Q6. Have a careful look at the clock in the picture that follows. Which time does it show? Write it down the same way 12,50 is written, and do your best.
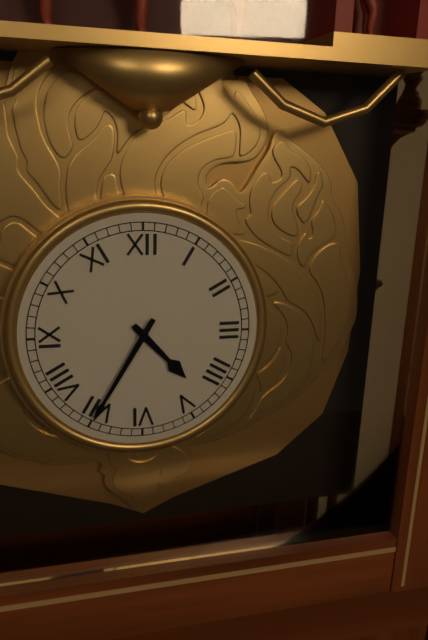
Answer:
4,35
